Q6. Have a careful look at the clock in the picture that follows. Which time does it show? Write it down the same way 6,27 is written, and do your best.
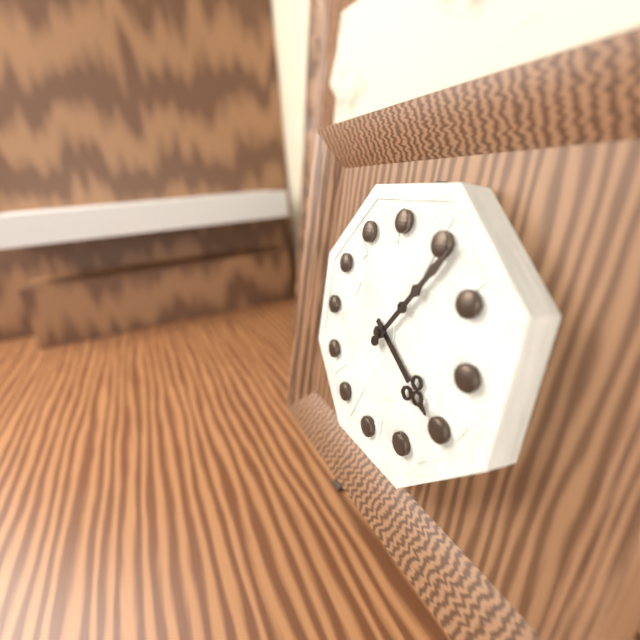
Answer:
4,06
